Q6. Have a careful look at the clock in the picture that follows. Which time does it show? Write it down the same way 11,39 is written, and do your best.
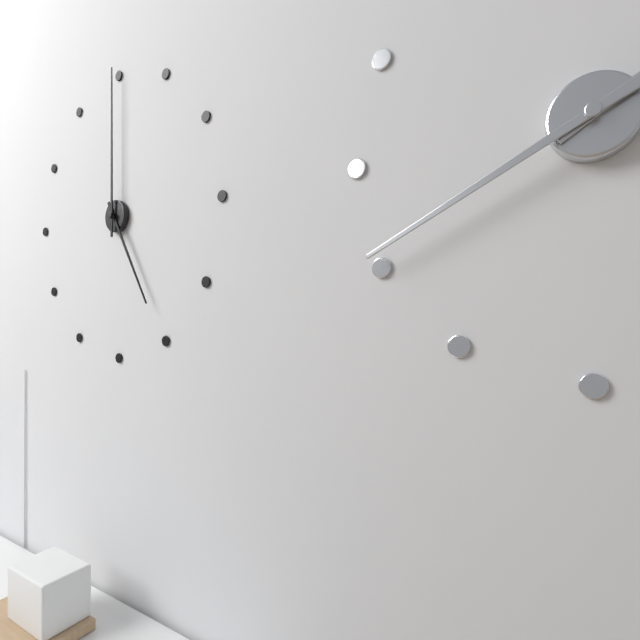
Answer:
5,00
